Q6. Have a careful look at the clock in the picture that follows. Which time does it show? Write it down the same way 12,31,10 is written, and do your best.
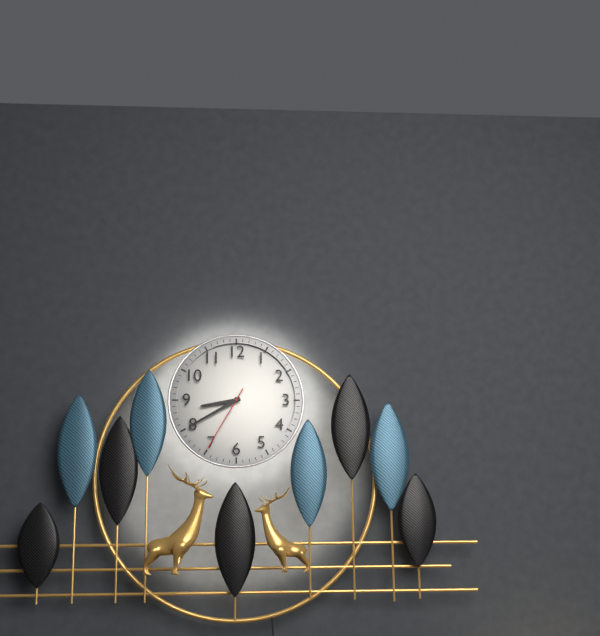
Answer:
8,40,35
